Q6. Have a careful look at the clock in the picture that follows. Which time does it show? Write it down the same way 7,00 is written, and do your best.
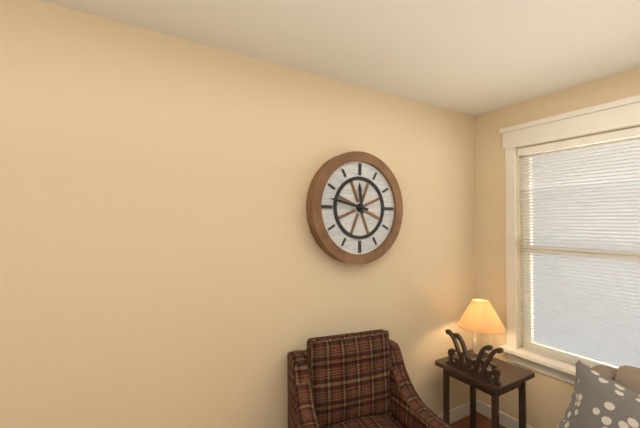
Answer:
11,47
